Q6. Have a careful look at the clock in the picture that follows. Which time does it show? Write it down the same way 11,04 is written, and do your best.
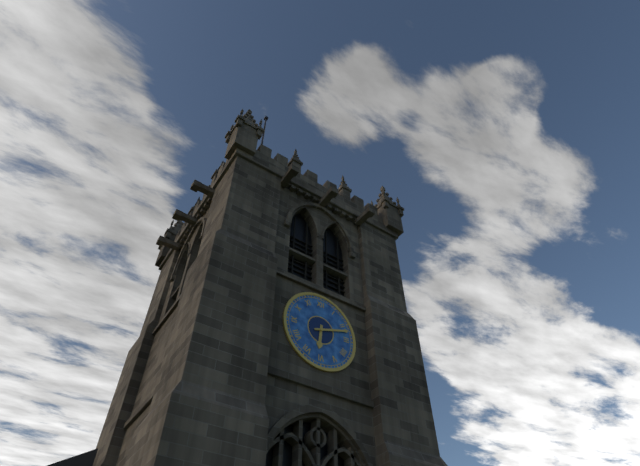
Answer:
6,12
